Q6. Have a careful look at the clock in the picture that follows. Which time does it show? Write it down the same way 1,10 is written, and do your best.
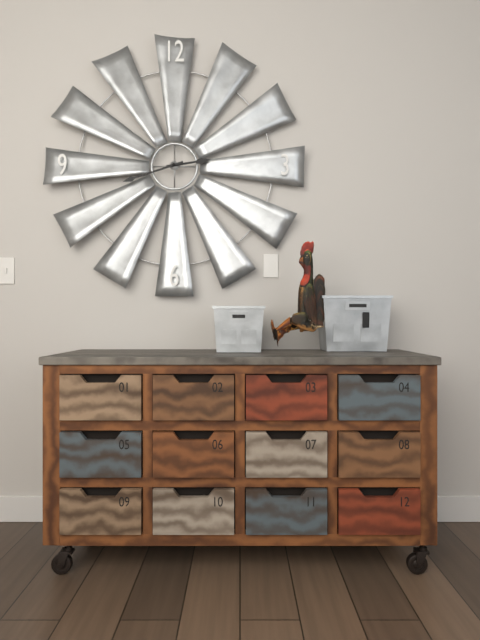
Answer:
2,42
